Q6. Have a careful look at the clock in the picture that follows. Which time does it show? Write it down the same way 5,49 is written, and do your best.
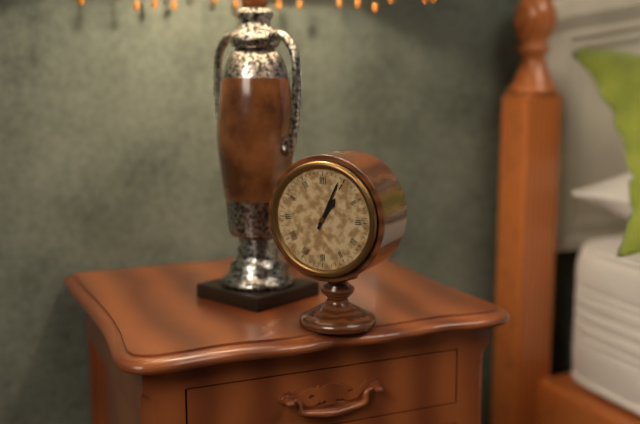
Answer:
1,04
